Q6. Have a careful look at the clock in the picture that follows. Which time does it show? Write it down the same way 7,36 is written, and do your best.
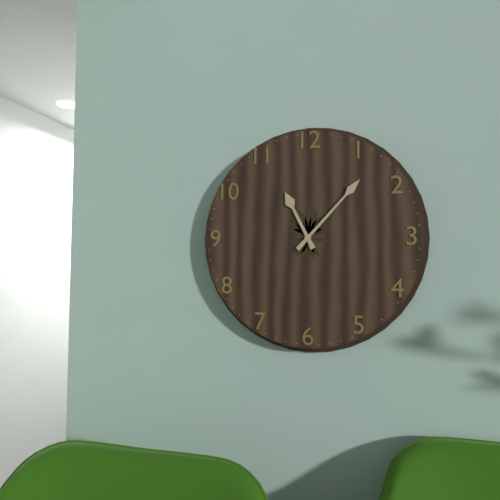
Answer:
11,07
